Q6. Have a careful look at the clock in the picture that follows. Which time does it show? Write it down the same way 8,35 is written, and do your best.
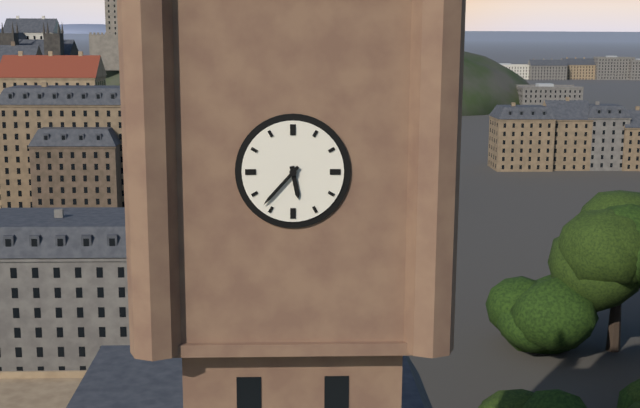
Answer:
5,37
